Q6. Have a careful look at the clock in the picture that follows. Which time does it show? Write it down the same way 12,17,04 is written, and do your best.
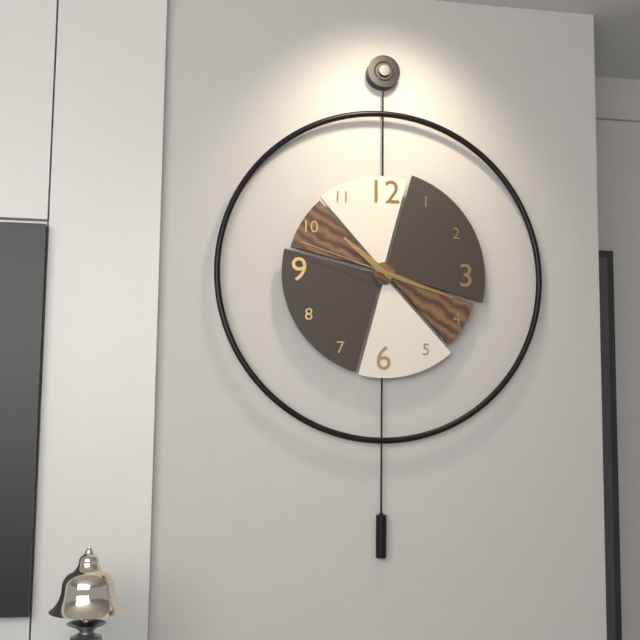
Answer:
10,18,48
